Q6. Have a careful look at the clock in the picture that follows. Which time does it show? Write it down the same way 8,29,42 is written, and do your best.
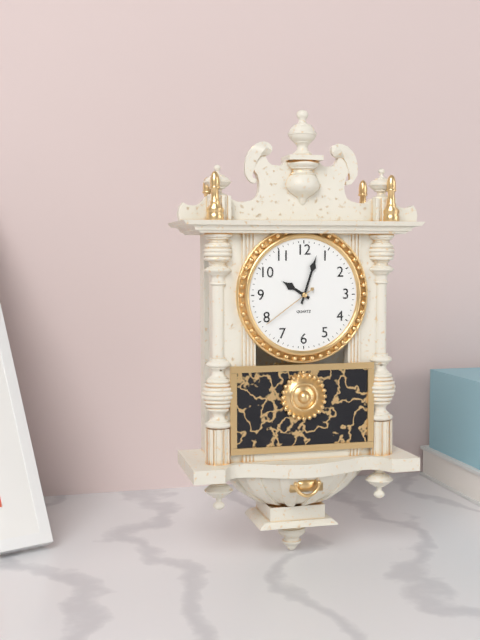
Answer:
10,03,39
